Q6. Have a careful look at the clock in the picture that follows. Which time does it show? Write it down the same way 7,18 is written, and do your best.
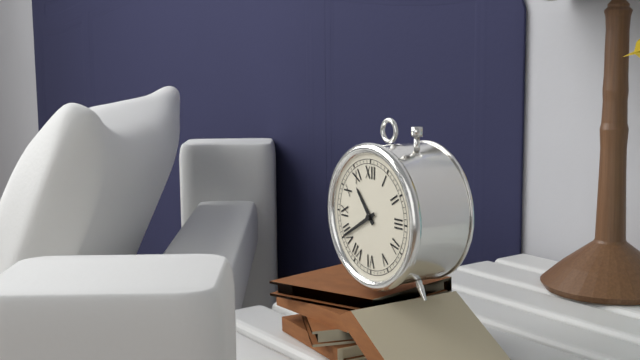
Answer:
10,40
